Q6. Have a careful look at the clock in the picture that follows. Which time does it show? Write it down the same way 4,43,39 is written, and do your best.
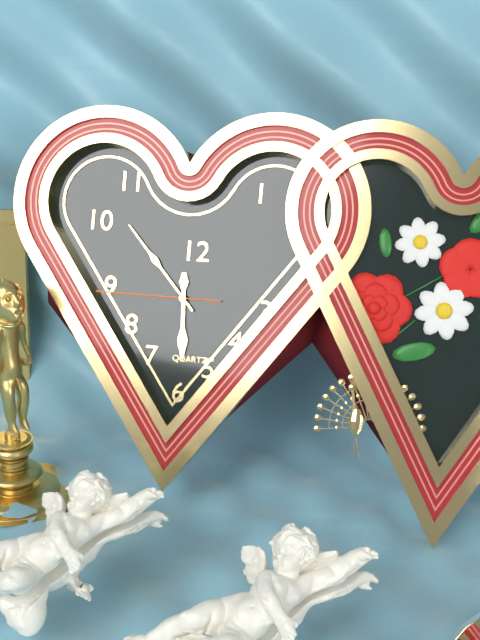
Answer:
5,53,45
